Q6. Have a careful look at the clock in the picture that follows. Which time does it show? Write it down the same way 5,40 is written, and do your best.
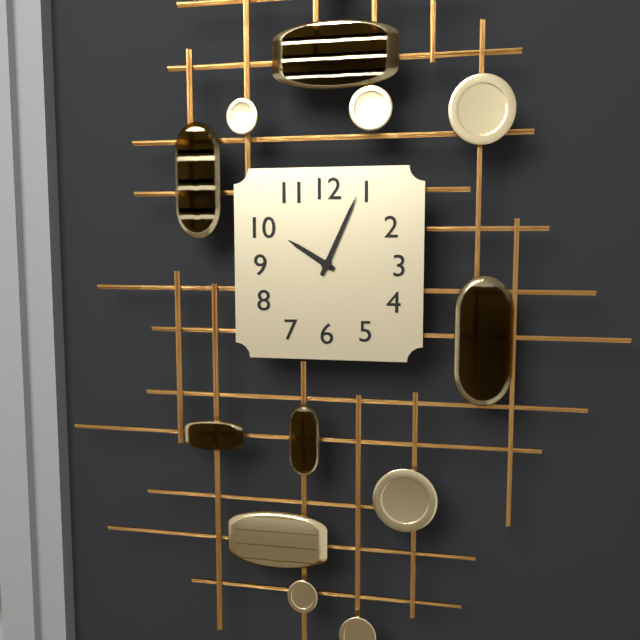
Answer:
10,04
